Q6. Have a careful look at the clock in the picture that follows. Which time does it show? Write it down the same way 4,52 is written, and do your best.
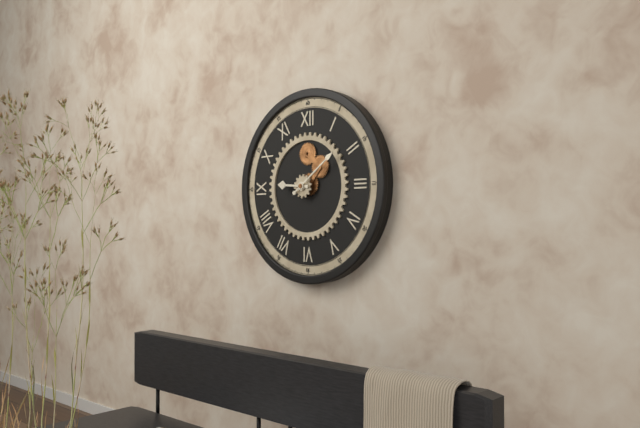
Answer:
9,09
